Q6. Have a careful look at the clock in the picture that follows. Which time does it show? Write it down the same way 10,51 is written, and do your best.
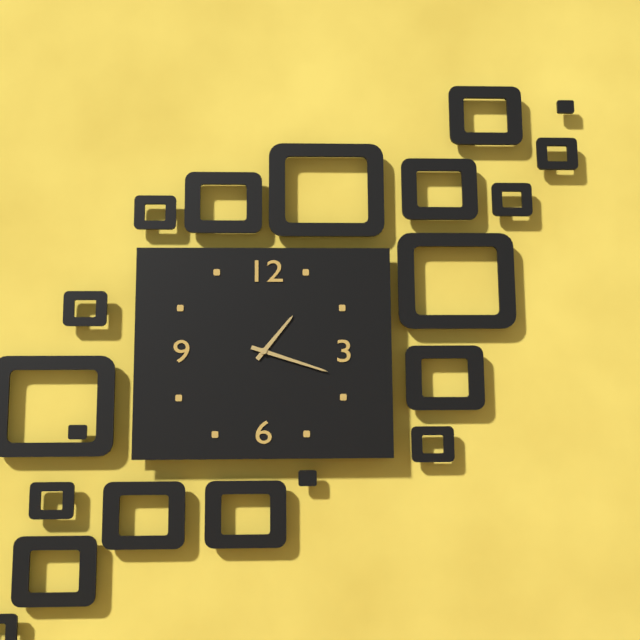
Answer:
1,18
